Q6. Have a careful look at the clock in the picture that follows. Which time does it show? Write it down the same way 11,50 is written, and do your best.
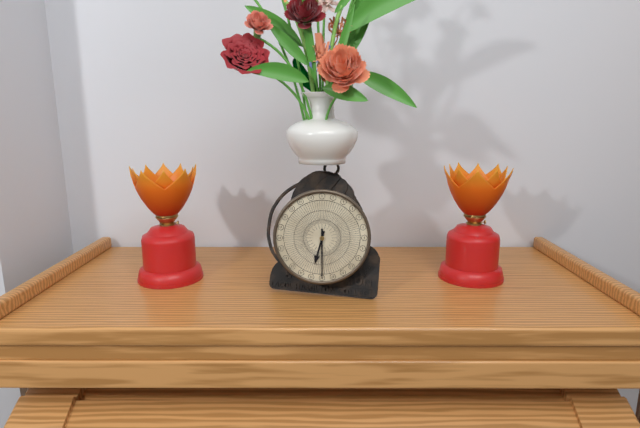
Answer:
6,30
